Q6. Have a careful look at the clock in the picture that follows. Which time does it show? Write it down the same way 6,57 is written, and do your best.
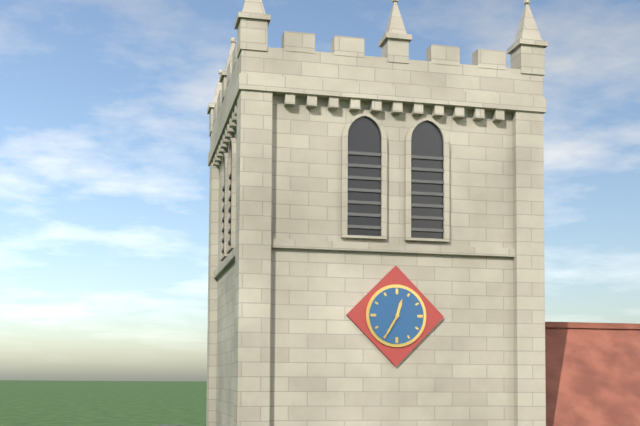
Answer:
12,35
